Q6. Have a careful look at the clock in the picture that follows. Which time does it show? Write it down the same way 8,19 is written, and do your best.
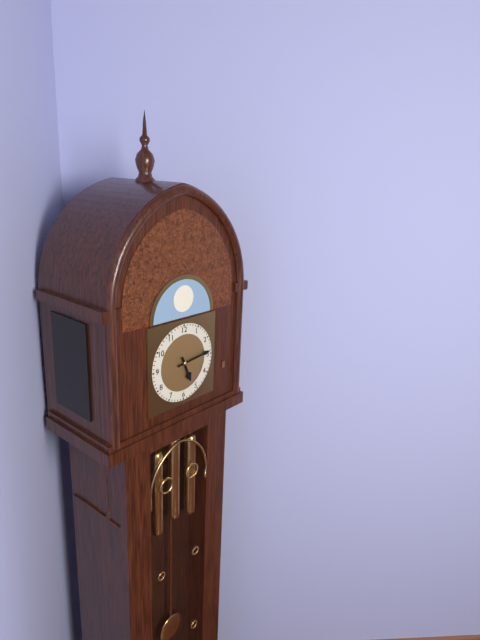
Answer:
5,14
